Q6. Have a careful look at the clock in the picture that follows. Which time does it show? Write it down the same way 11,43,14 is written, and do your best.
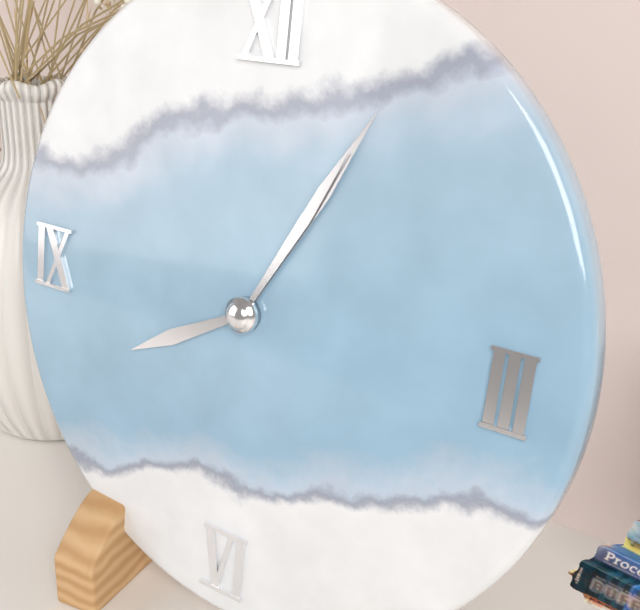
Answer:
8,05,05
